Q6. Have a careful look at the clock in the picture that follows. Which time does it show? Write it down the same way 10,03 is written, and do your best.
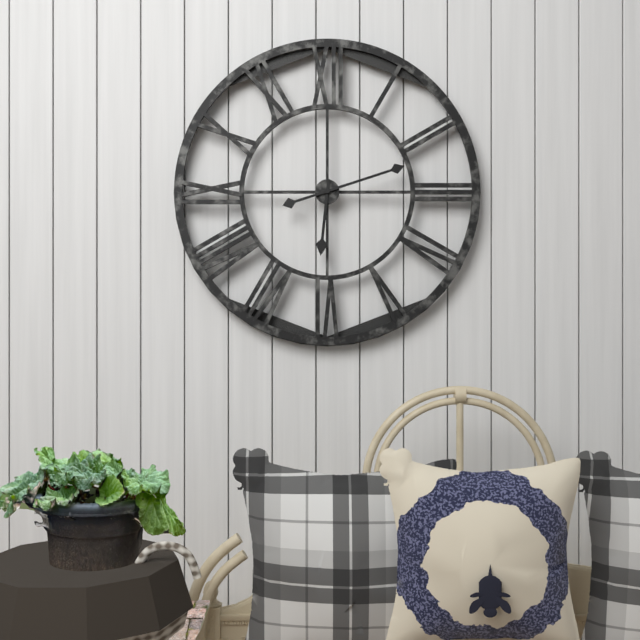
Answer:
6,12
